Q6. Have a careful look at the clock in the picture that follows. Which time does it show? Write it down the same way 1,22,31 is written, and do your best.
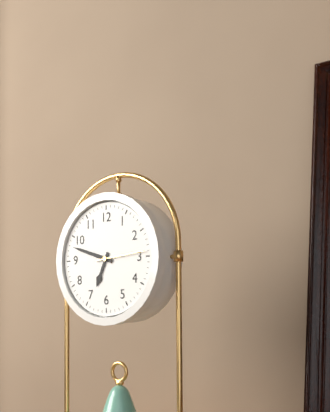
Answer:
6,48,14
